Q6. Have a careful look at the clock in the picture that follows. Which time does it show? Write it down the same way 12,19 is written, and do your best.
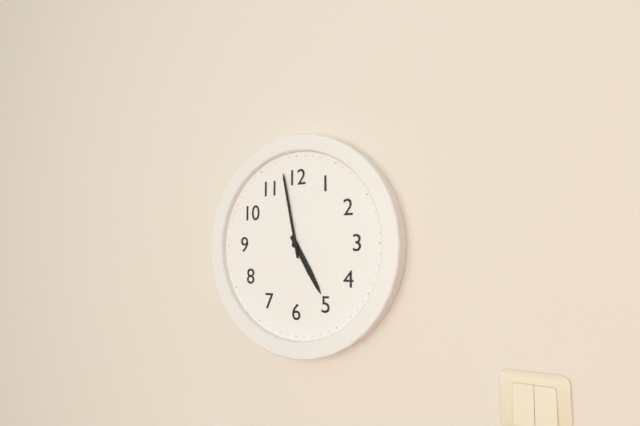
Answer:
4,58
